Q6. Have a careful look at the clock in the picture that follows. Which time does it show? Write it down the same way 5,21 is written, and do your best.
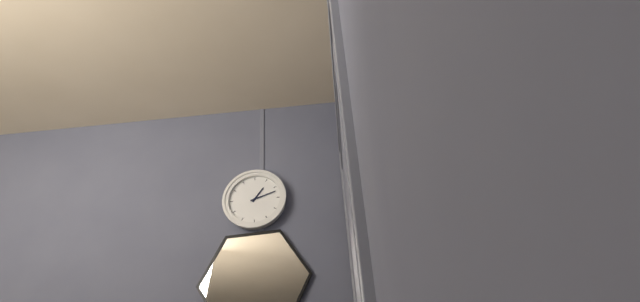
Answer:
1,12
